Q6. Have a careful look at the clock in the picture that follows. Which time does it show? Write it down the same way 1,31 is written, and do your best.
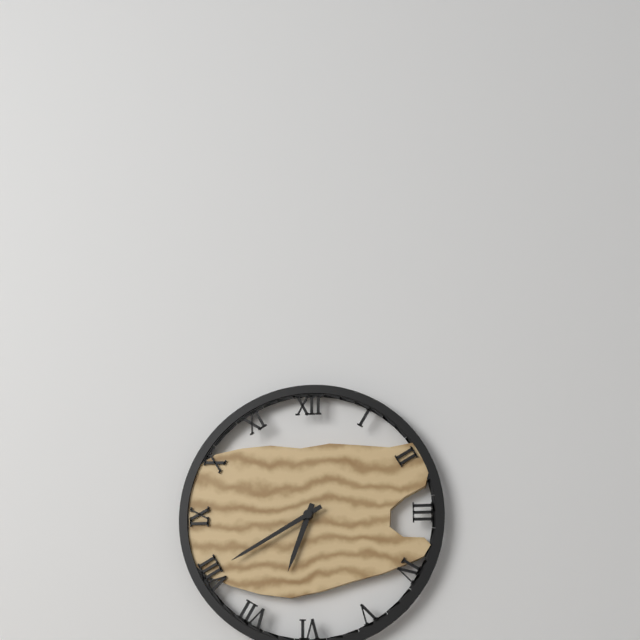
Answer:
6,40
